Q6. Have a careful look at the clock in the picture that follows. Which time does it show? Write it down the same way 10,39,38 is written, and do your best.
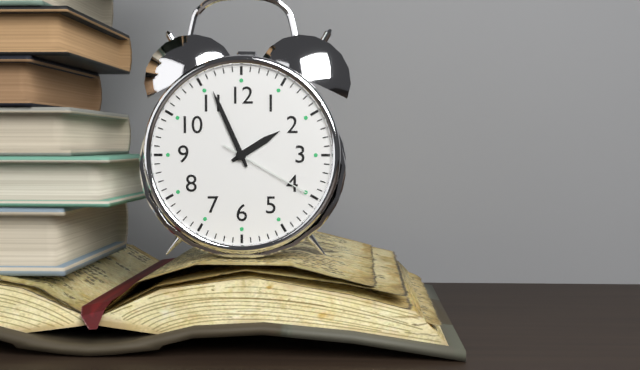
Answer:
1,56,20
